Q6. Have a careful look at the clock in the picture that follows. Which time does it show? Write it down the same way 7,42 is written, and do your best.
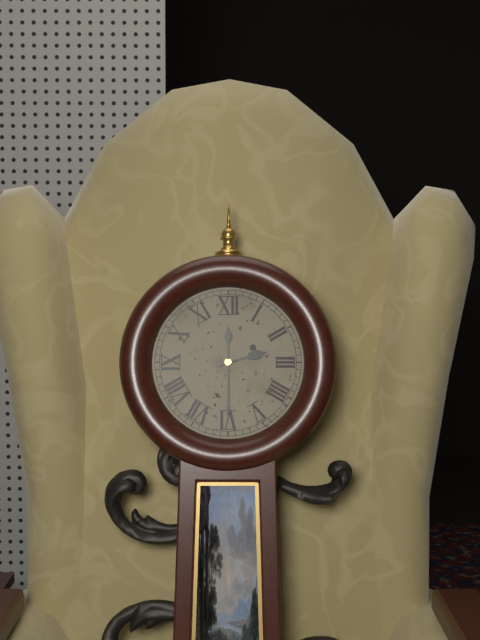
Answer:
2,30
